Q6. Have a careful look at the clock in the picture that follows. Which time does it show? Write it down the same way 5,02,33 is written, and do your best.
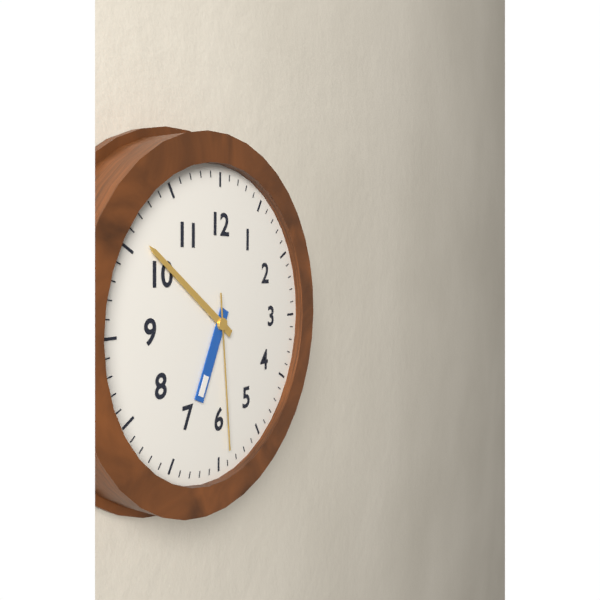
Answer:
6,51,29
